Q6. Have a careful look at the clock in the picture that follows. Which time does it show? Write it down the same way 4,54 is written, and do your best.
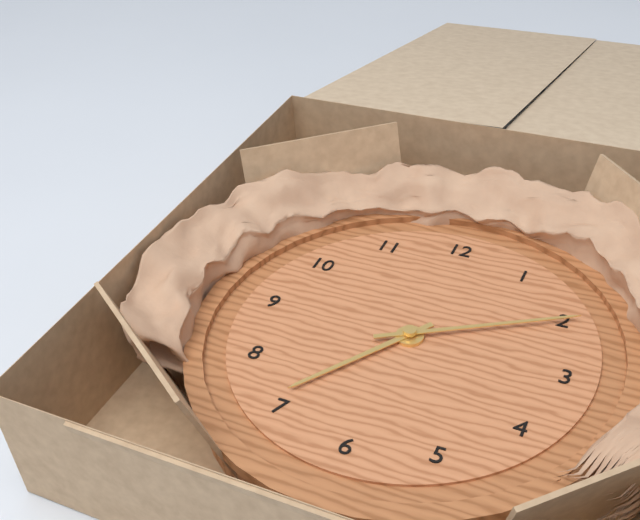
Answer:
7,10
